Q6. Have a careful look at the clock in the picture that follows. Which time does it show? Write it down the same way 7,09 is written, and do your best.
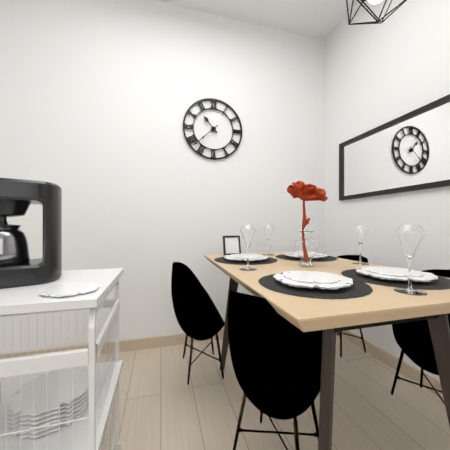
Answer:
10,38
